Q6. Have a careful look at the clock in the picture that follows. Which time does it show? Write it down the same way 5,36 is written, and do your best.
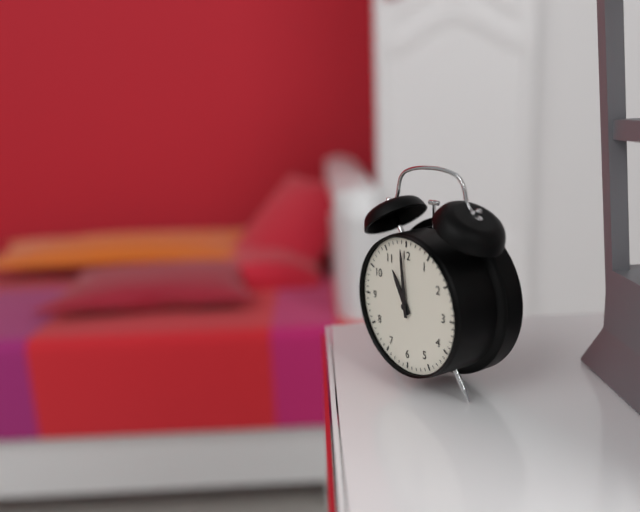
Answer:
10,59
